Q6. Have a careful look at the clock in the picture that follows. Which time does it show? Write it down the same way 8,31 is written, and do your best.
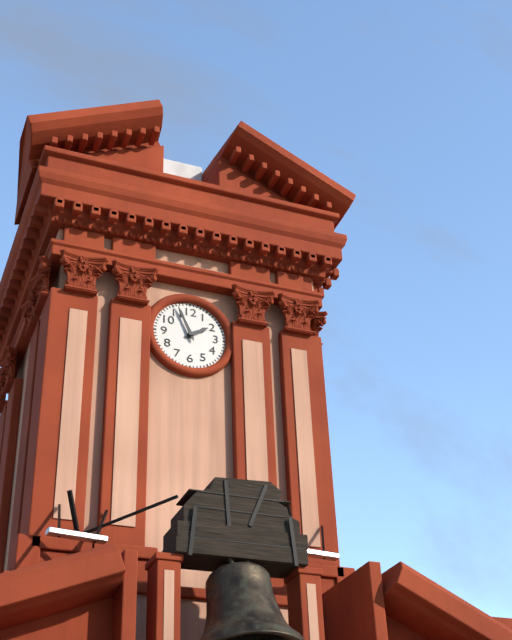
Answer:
1,56
